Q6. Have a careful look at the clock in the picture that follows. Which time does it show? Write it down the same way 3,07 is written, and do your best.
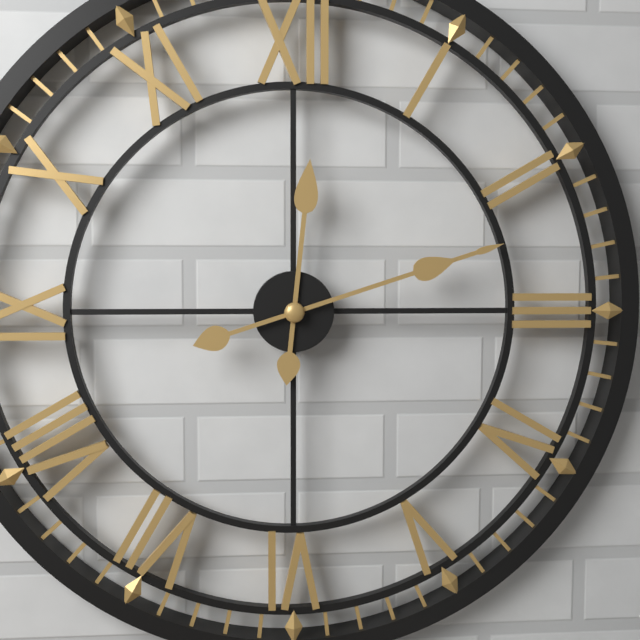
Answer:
12,12
